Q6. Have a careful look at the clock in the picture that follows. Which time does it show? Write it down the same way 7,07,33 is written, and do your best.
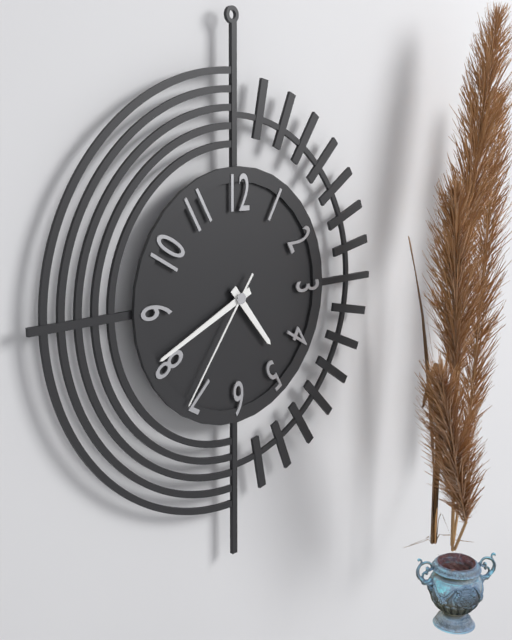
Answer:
4,41,36
